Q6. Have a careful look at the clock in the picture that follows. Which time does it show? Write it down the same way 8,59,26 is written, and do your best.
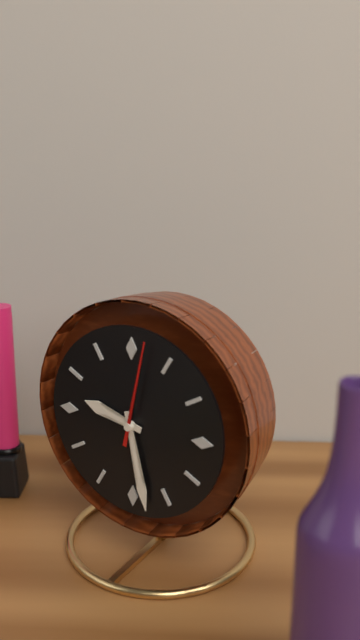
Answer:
9,28,02
